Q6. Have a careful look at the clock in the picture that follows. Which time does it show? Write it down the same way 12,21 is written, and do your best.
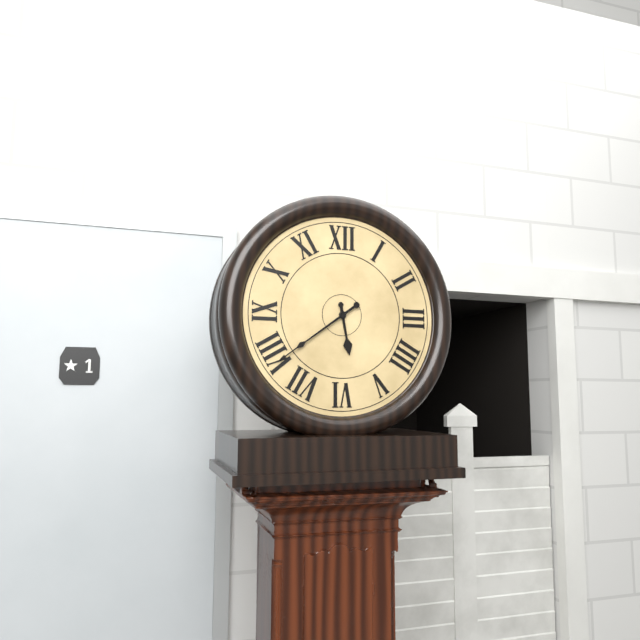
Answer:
5,39
